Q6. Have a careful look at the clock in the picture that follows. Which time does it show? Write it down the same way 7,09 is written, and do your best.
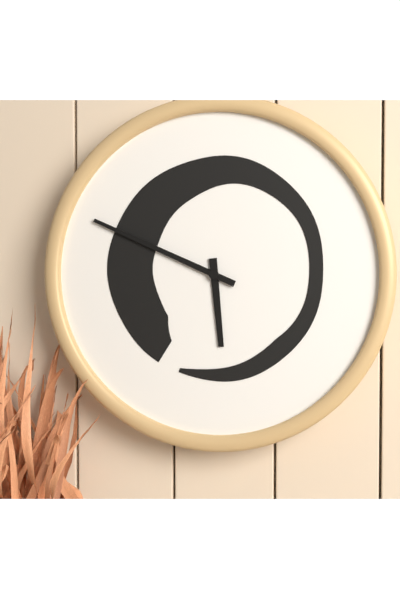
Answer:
5,49
